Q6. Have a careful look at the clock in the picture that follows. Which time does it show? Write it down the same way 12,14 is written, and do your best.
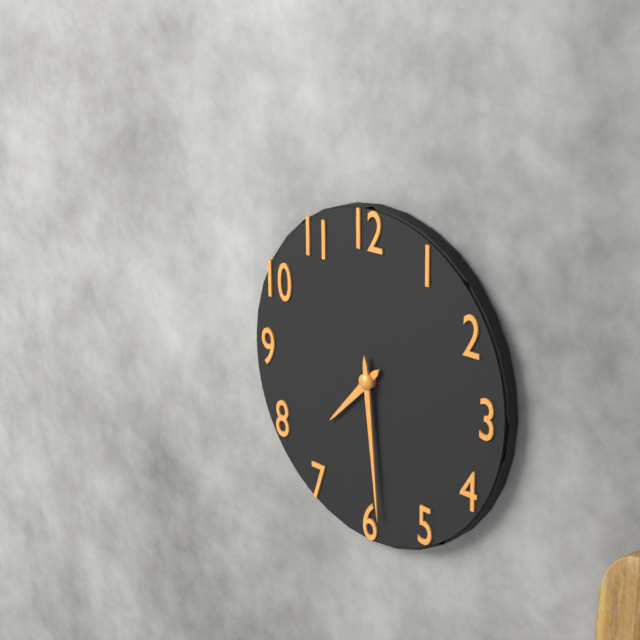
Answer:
7,29
